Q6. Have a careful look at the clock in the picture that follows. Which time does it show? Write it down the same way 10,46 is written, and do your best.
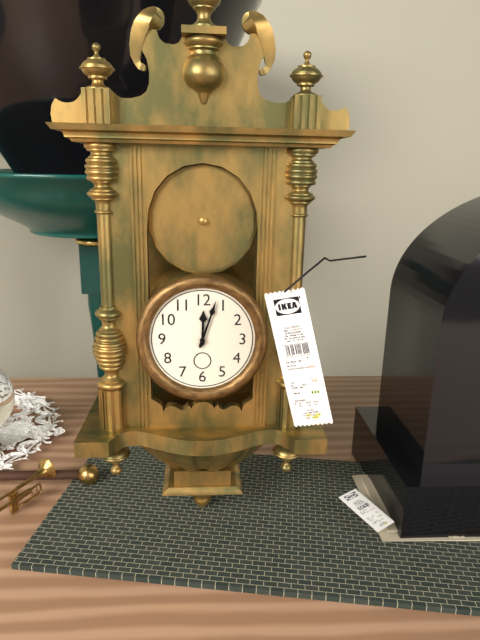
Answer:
12,03
